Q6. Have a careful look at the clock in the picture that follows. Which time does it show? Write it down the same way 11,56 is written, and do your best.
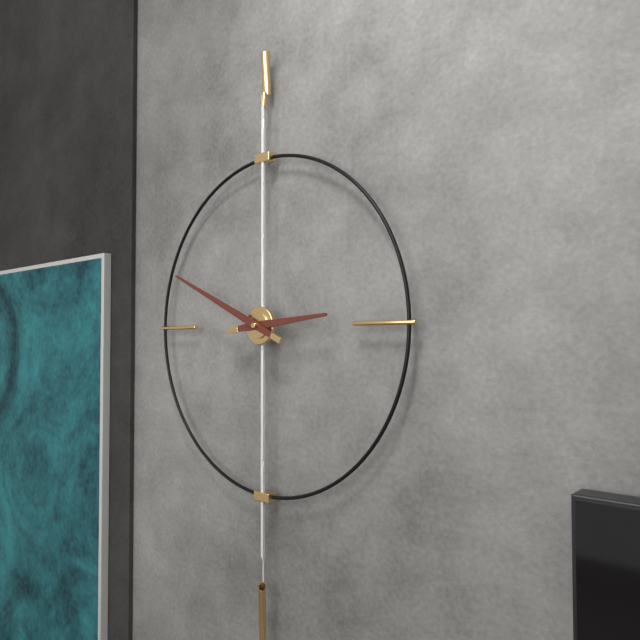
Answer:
2,49
